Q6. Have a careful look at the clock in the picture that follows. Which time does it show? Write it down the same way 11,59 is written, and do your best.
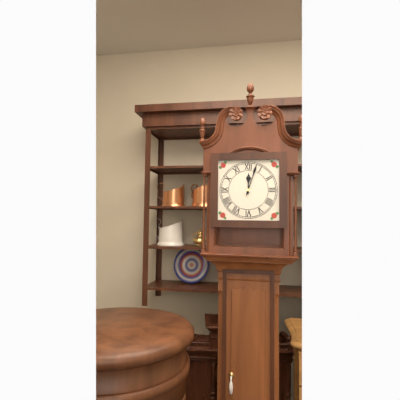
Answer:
12,03
